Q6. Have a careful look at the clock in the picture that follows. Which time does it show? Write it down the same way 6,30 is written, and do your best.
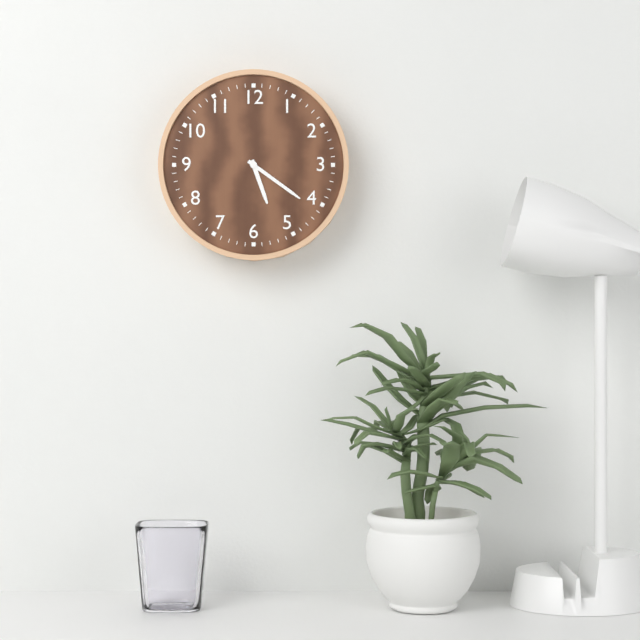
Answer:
5,21
